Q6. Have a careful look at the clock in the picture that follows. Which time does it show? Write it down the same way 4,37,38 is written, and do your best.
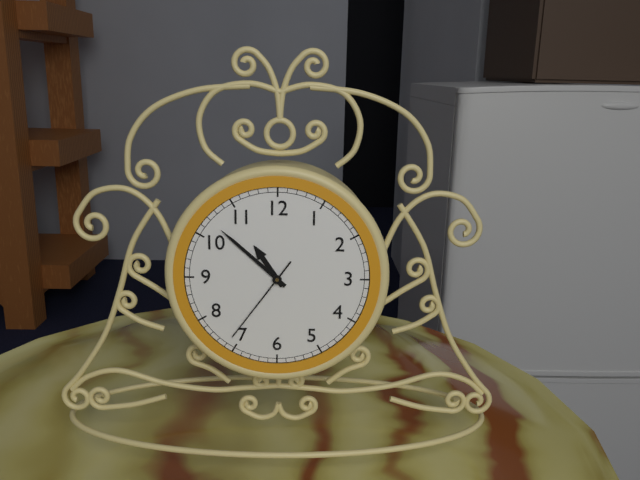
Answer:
10,52,36
